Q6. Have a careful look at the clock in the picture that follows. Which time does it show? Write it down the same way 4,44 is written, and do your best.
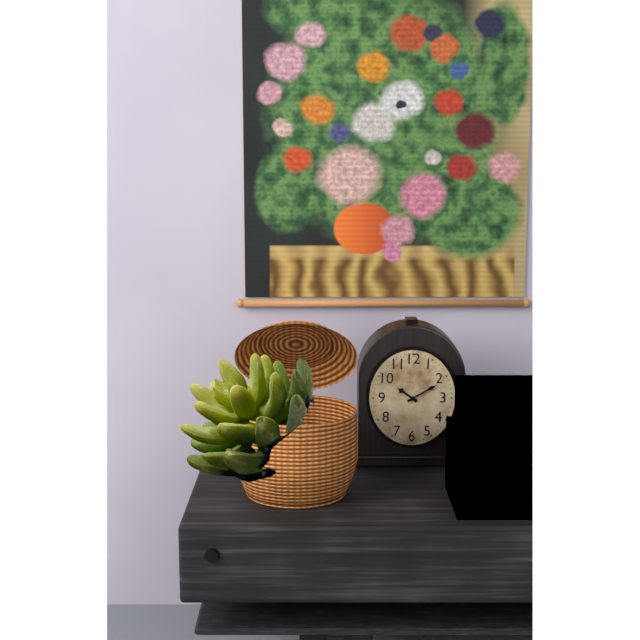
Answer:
10,10
